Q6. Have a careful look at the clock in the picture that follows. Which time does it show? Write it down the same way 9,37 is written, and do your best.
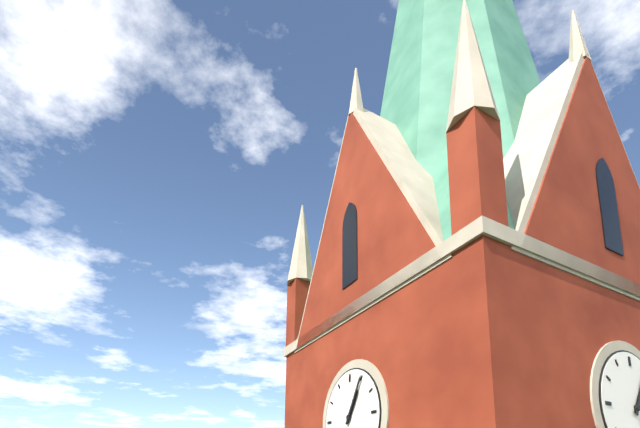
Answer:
1,05
